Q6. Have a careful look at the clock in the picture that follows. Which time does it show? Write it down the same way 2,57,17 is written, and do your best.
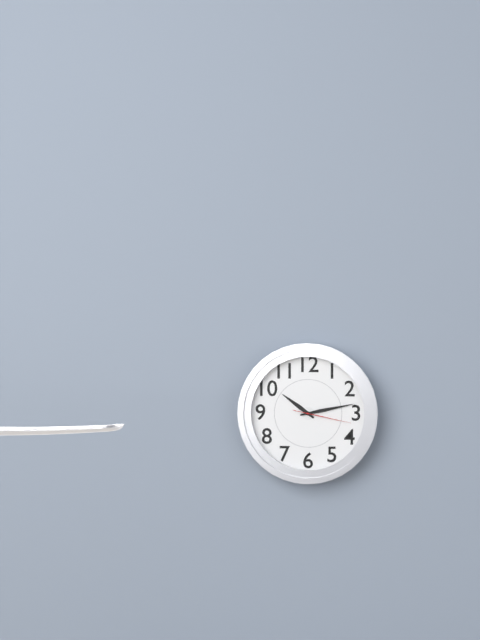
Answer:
10,13,17
